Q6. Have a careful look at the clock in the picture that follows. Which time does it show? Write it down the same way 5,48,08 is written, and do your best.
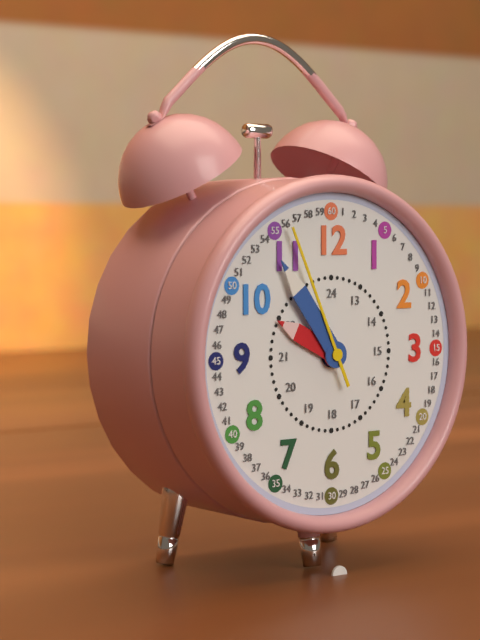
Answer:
9,54,56
